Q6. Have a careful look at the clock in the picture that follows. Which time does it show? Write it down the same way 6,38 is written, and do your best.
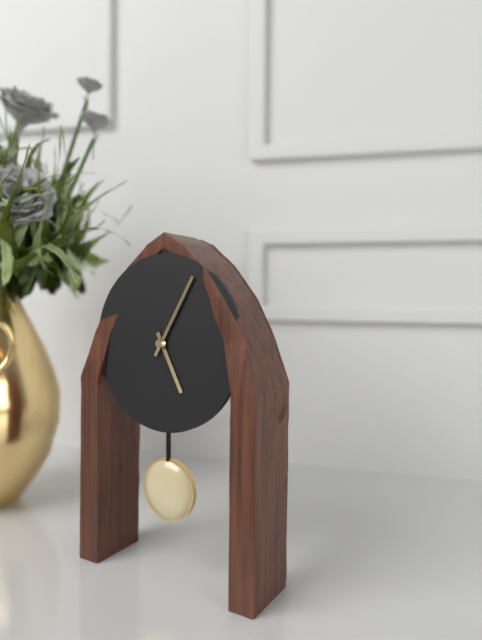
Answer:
5,05
